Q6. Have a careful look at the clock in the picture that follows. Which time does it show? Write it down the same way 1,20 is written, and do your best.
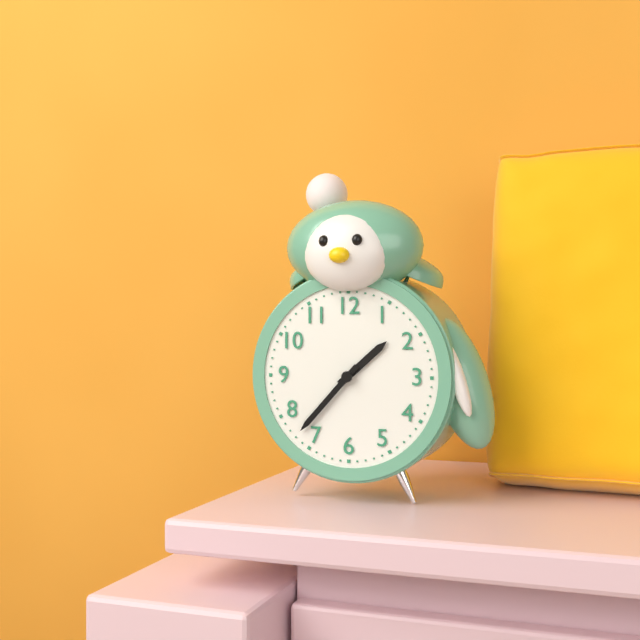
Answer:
1,37
